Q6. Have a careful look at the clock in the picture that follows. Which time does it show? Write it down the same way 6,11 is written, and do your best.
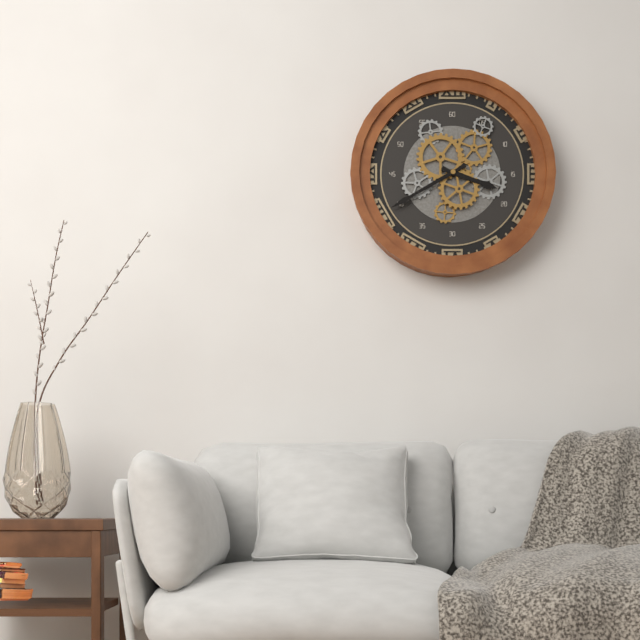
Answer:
3,40
